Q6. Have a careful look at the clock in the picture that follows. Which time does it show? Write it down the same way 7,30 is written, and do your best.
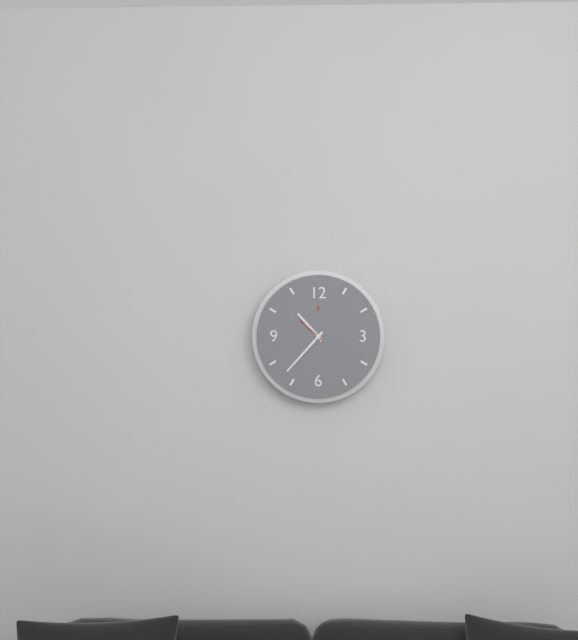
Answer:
10,37
